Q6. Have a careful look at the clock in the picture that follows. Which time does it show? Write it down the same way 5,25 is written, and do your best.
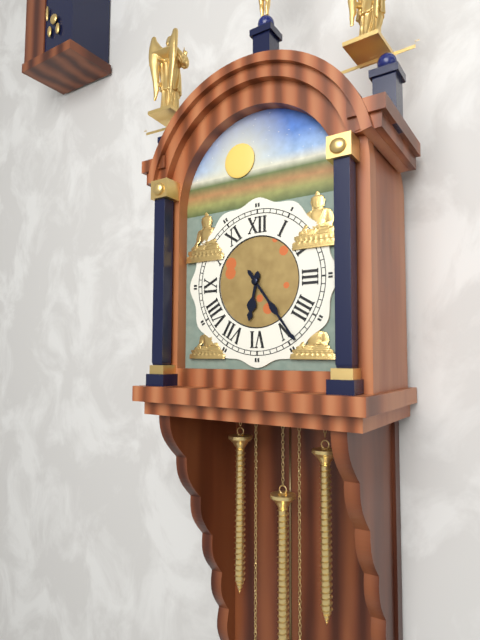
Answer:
6,24
